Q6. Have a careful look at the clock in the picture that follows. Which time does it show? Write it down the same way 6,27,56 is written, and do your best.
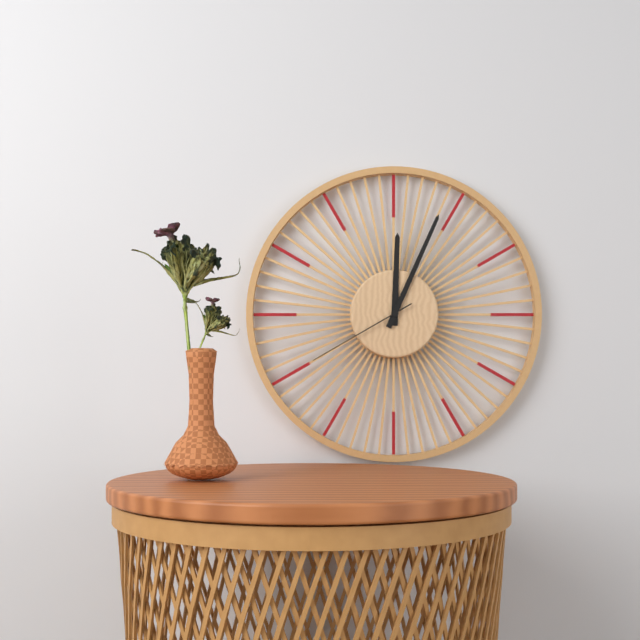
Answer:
12,04,40
